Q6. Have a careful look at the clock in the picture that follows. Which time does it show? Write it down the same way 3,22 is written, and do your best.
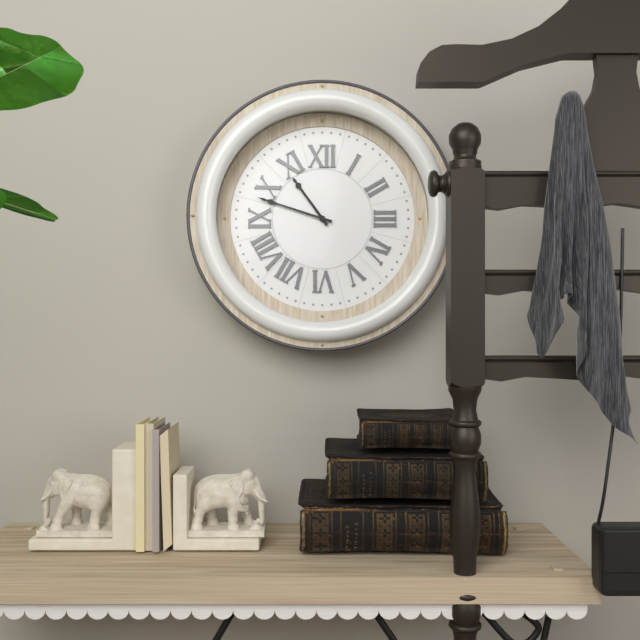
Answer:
10,48
